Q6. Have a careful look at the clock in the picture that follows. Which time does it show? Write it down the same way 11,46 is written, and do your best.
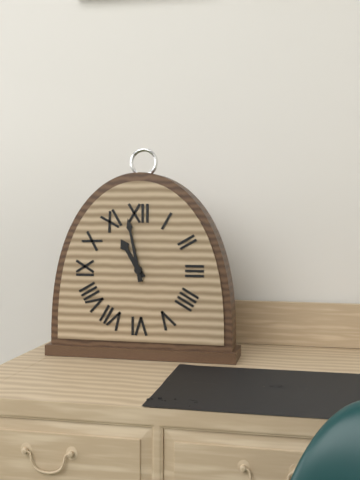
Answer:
10,58
